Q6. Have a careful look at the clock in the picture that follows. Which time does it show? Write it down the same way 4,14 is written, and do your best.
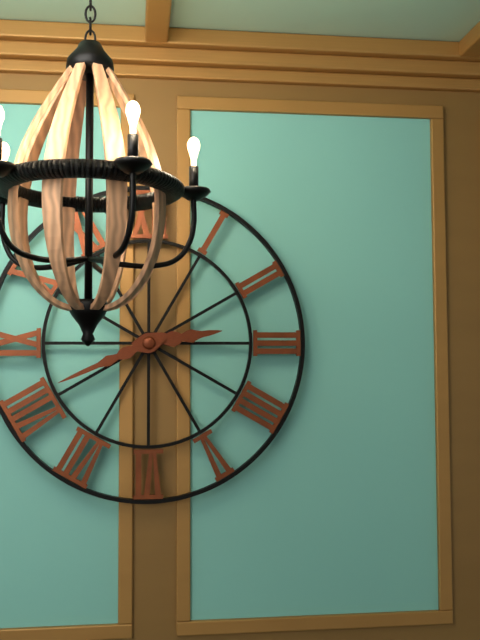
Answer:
2,41
